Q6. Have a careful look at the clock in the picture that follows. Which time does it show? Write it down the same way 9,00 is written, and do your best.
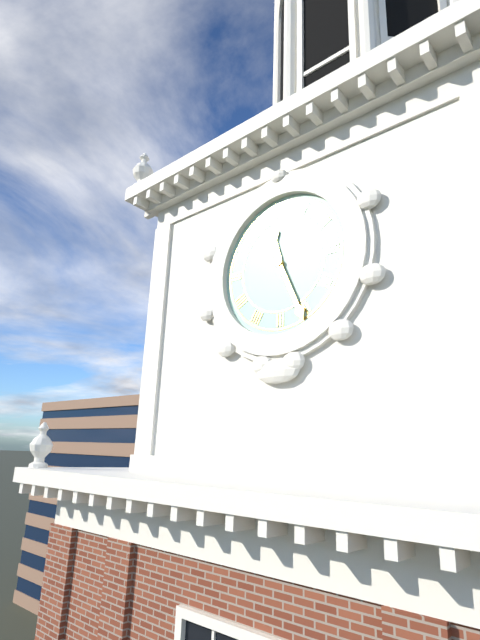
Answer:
11,26
